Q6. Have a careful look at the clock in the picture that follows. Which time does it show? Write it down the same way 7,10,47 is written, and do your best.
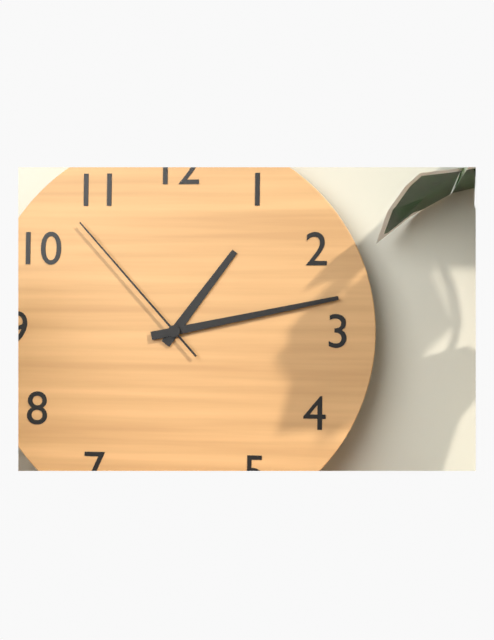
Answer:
1,13,53
